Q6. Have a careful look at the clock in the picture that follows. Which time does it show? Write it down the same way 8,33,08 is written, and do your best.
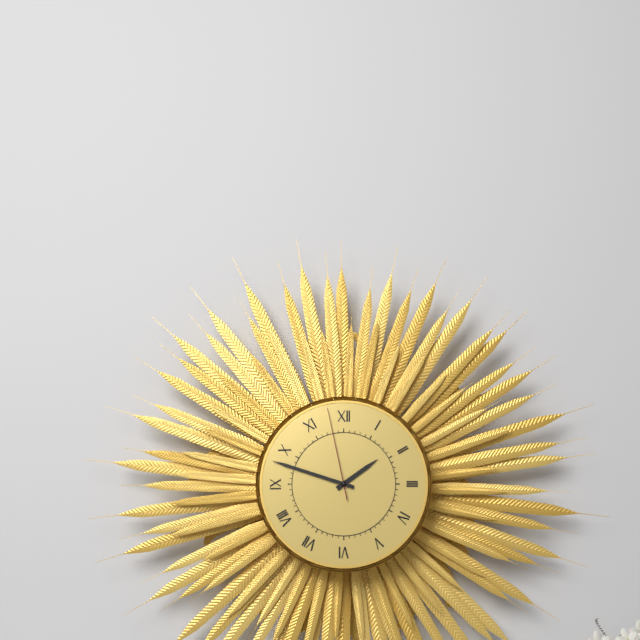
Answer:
1,48,58
